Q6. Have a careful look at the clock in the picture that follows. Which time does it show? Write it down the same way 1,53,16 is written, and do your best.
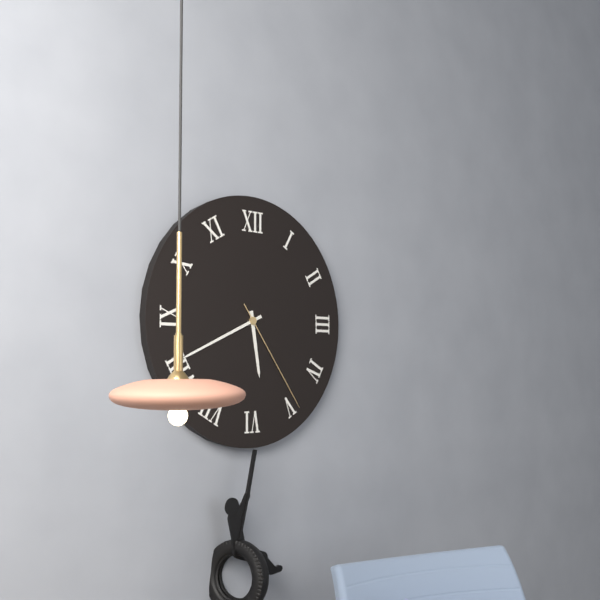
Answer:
5,41,24
